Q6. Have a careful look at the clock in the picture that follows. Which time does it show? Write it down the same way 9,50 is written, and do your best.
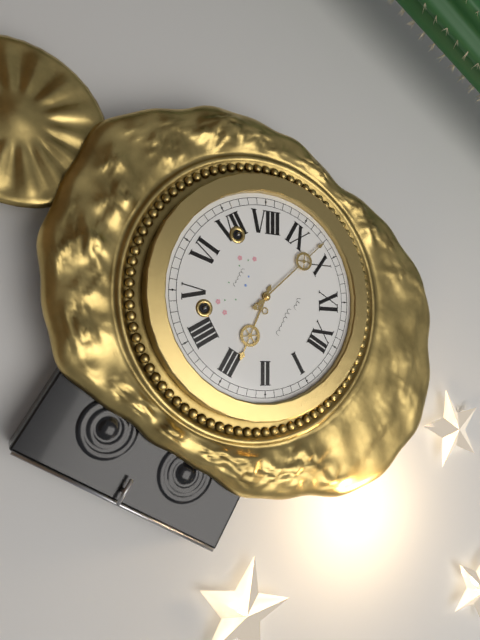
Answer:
2,48
